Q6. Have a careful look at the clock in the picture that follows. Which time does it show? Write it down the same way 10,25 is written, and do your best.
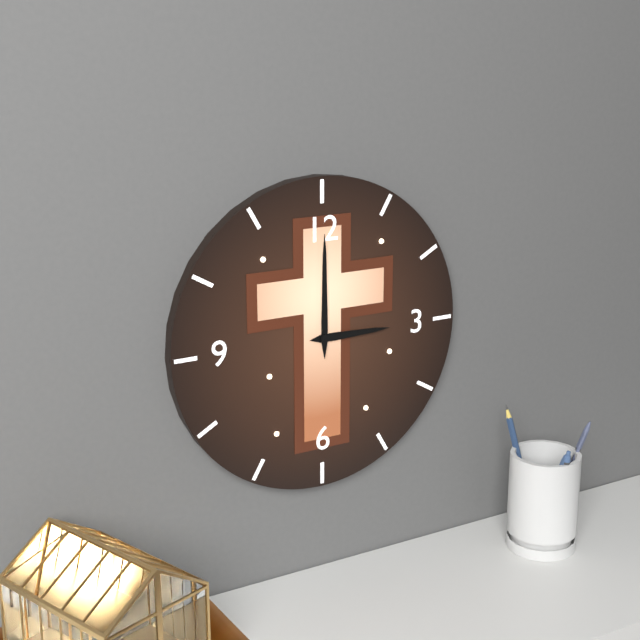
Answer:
3,00
